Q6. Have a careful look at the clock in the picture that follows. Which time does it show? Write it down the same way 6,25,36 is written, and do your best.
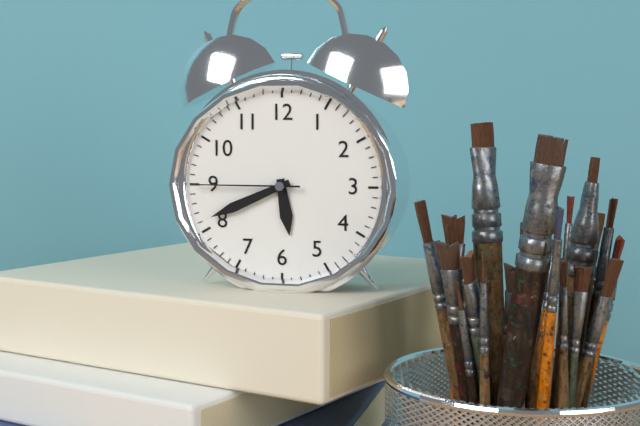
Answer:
5,41,45
